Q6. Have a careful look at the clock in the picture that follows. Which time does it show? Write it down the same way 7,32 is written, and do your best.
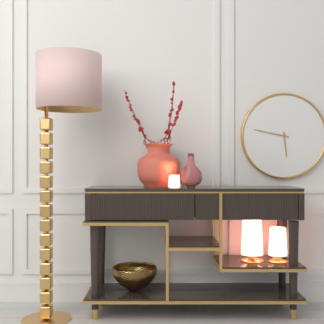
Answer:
5,47
